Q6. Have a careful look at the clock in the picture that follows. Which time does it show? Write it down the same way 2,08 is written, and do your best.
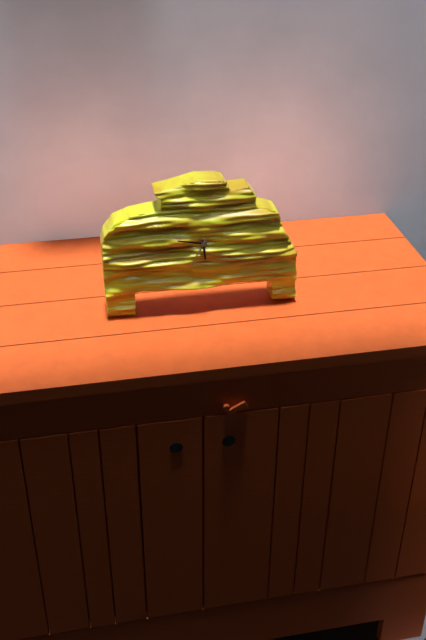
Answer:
5,47
